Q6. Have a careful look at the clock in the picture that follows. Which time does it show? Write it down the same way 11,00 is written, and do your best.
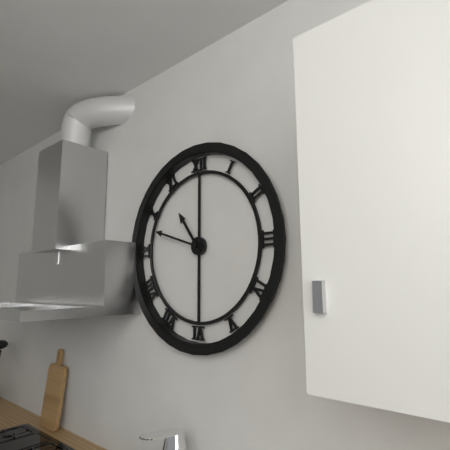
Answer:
10,48
